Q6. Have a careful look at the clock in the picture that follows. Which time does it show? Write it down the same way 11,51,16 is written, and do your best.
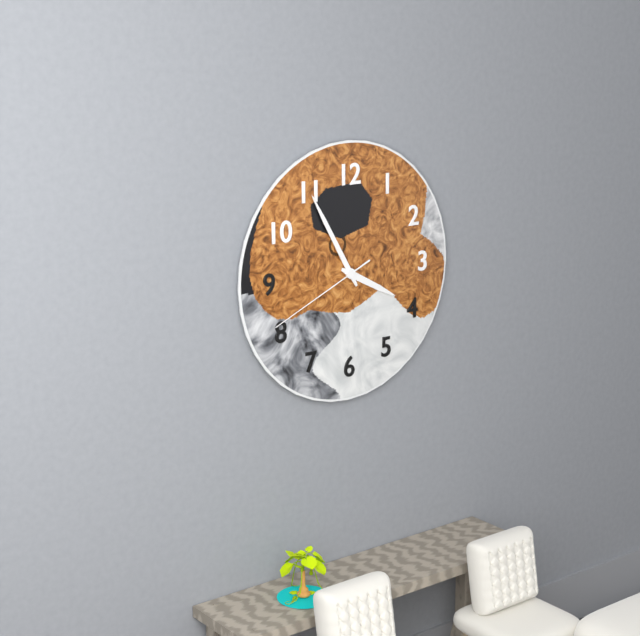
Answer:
3,55,41
